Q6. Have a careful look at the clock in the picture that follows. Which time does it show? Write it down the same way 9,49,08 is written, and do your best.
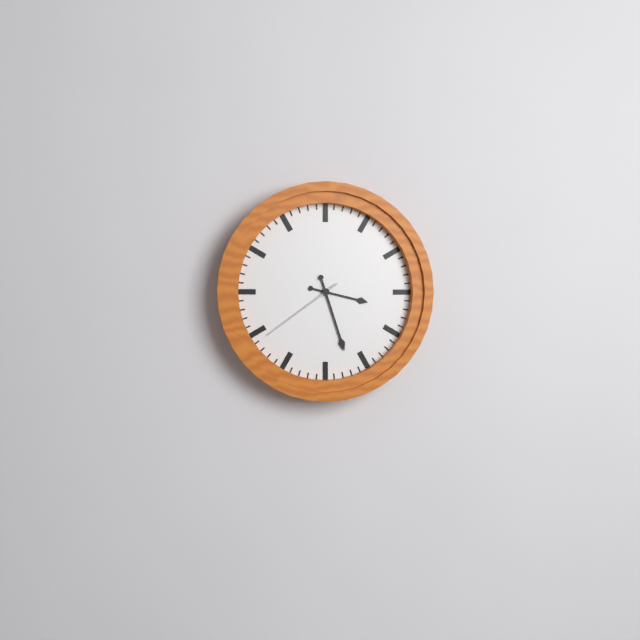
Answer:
3,27,39
